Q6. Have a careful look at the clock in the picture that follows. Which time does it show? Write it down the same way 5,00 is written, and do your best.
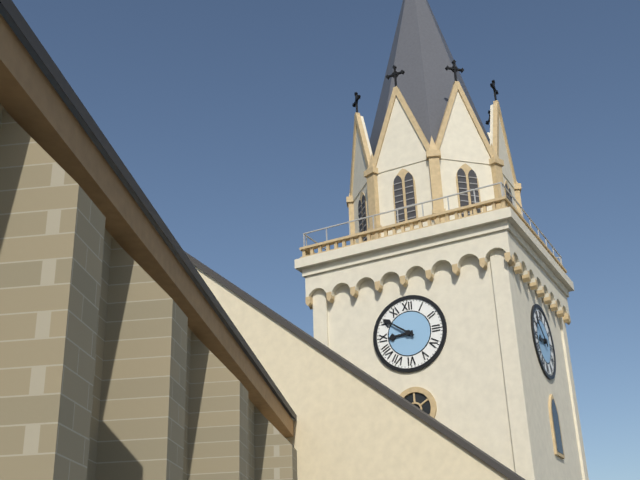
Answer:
8,51
